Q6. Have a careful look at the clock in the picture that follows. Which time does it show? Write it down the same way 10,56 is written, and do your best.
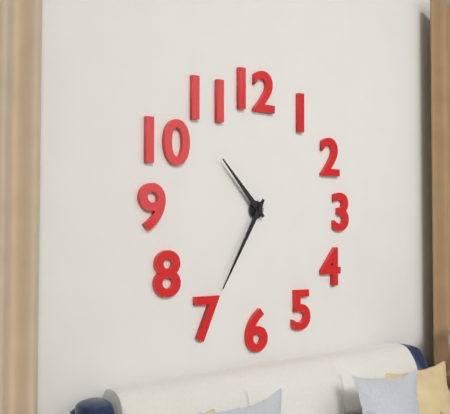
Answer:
10,35
